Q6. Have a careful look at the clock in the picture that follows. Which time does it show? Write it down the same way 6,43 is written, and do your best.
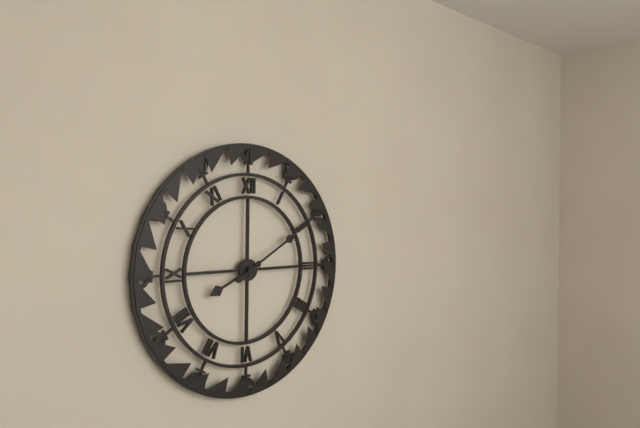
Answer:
8,10
